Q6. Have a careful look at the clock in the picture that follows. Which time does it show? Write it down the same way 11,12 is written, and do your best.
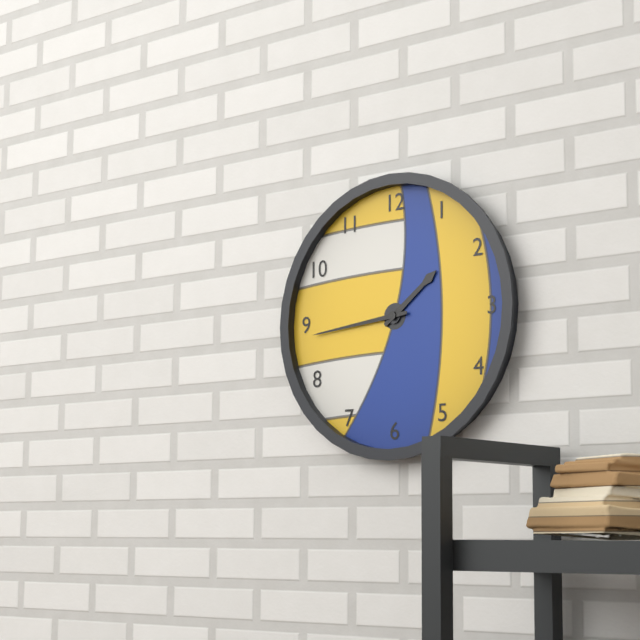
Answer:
1,44
